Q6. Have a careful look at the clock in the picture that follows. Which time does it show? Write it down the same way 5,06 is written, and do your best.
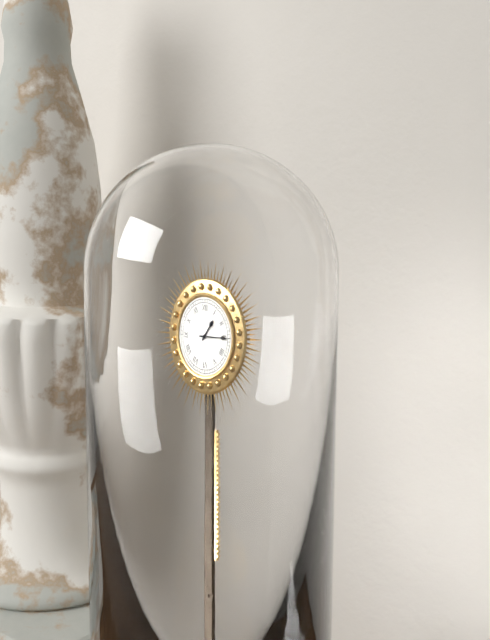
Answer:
1,15
